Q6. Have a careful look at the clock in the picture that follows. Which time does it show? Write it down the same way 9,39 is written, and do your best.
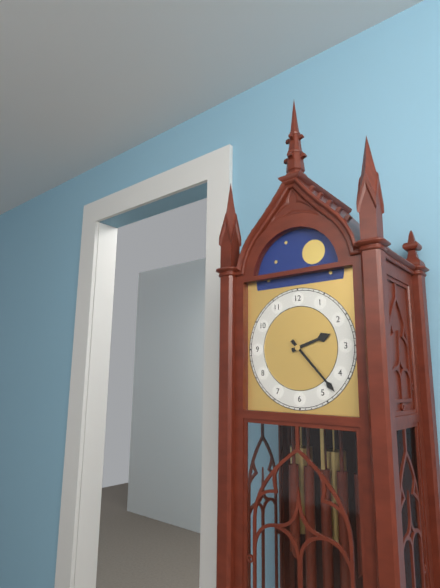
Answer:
2,23
